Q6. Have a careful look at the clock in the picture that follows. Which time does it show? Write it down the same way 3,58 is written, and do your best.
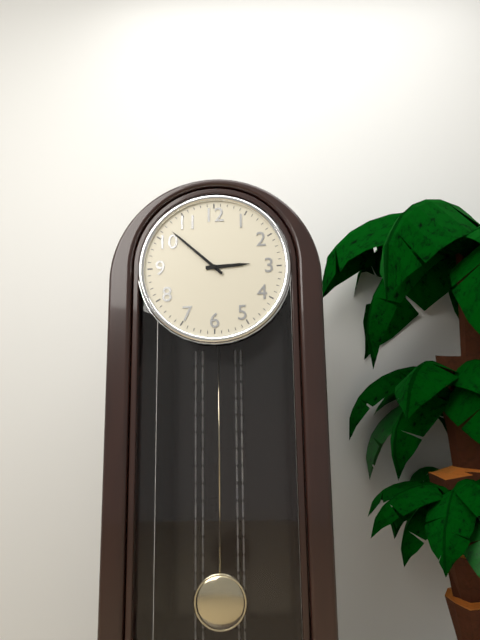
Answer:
2,52
